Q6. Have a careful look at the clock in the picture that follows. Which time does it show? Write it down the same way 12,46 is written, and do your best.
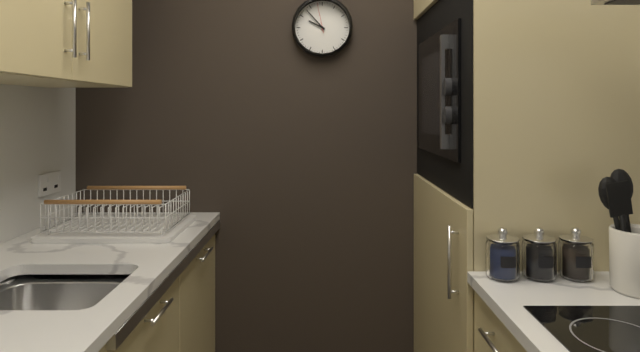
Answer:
9,53
